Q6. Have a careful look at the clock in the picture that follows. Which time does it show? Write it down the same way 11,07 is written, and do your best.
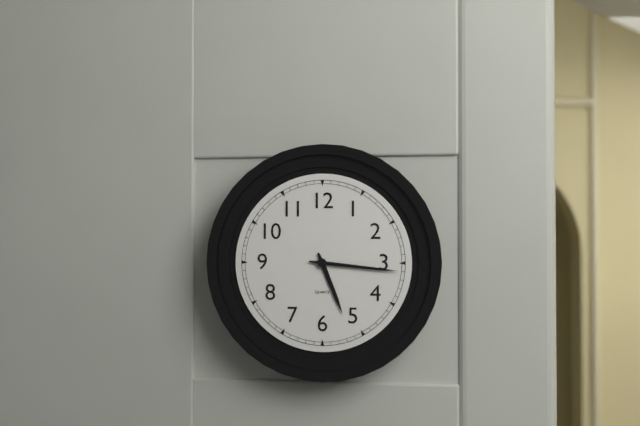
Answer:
5,16
